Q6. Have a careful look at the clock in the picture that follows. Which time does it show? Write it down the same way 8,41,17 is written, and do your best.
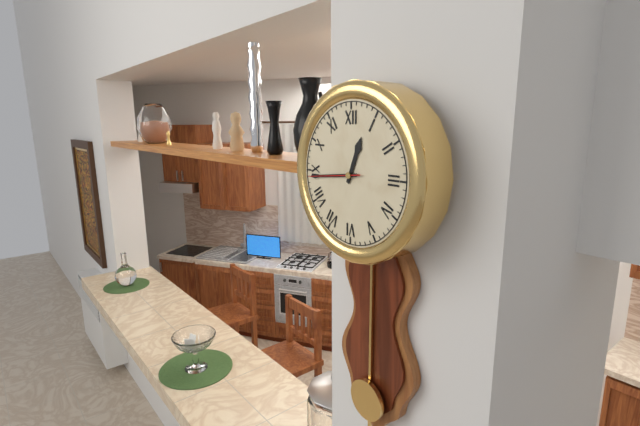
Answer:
12,44,44
